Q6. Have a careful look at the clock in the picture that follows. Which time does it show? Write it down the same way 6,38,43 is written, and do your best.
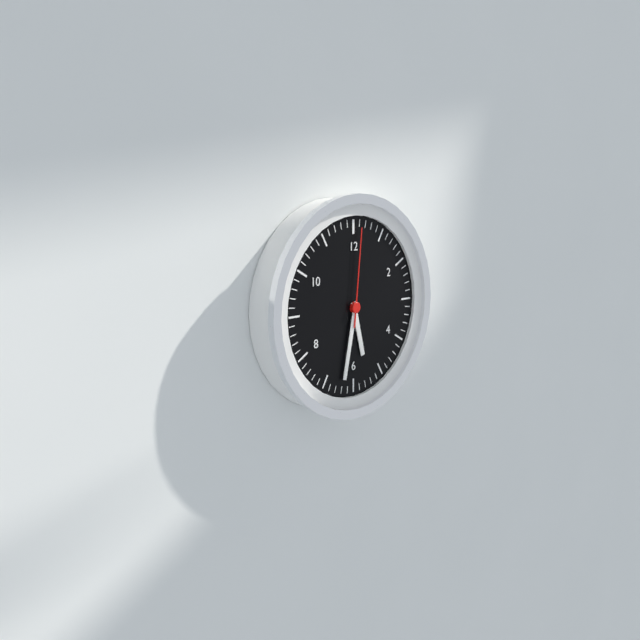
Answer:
5,32,01
